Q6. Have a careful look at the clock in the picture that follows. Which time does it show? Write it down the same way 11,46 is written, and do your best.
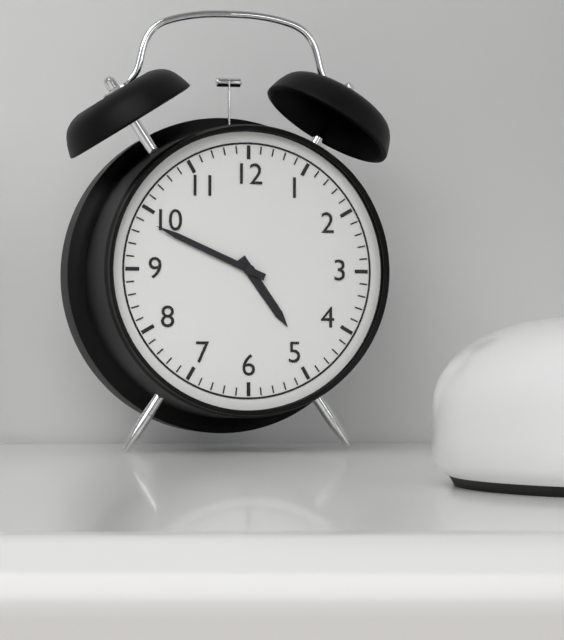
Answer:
4,49
